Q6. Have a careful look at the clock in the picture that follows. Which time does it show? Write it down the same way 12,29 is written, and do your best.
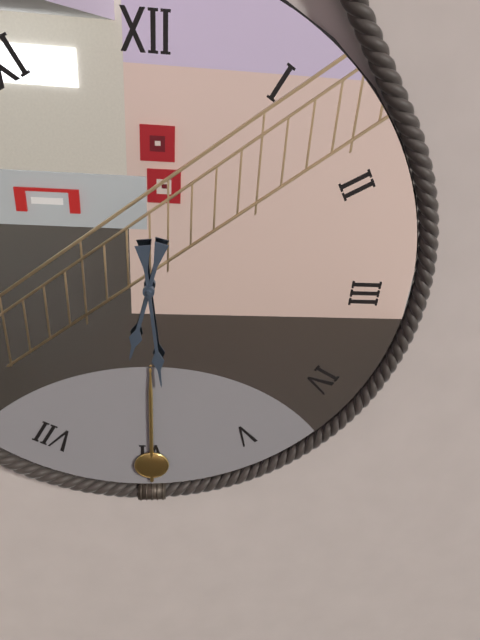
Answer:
6,29
